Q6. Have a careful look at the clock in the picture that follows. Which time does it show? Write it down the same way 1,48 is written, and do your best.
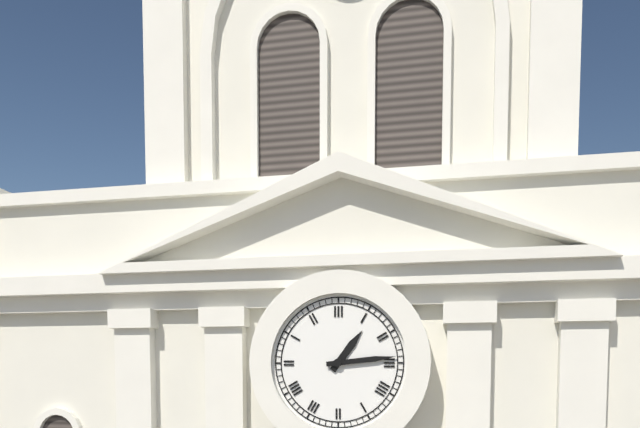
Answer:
1,14
